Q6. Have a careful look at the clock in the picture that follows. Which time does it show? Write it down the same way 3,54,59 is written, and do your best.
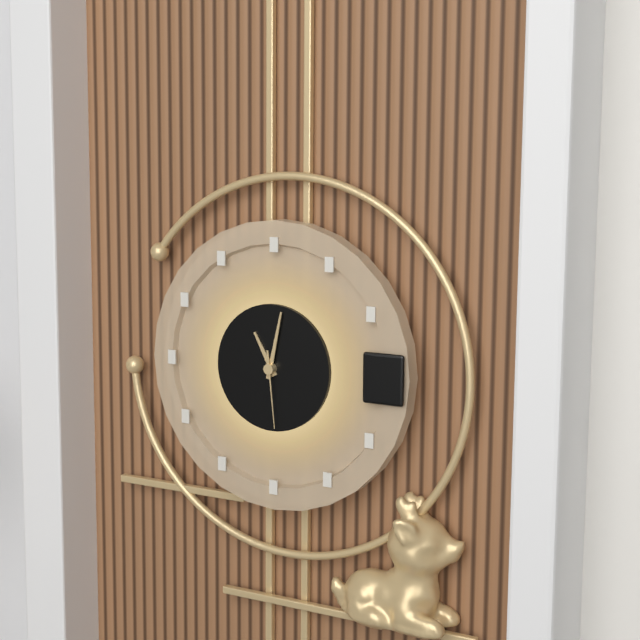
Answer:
11,02,29
